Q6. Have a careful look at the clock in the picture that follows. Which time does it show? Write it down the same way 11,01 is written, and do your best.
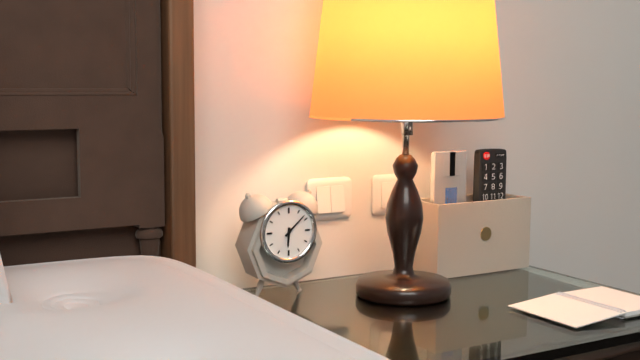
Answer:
6,08
